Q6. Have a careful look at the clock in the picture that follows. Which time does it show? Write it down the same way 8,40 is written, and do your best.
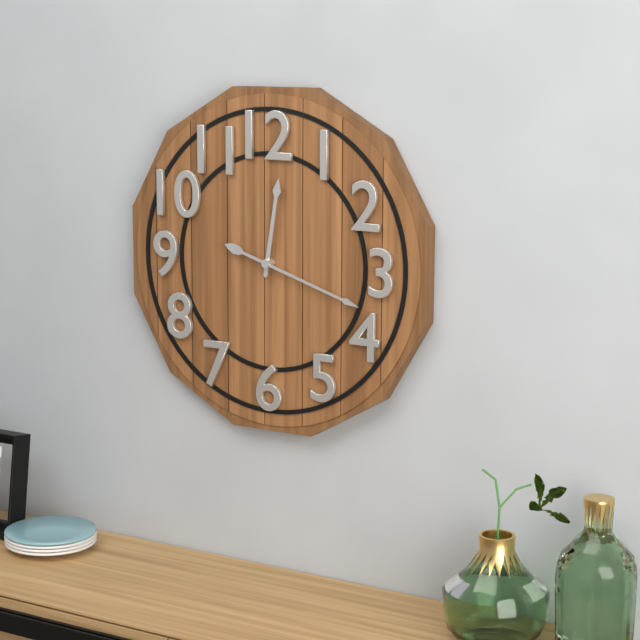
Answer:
12,18
